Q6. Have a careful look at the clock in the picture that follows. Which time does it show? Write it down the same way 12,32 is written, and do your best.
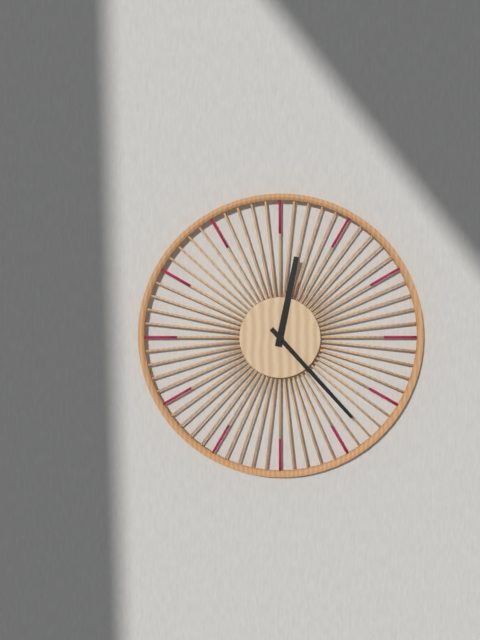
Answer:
12,23
